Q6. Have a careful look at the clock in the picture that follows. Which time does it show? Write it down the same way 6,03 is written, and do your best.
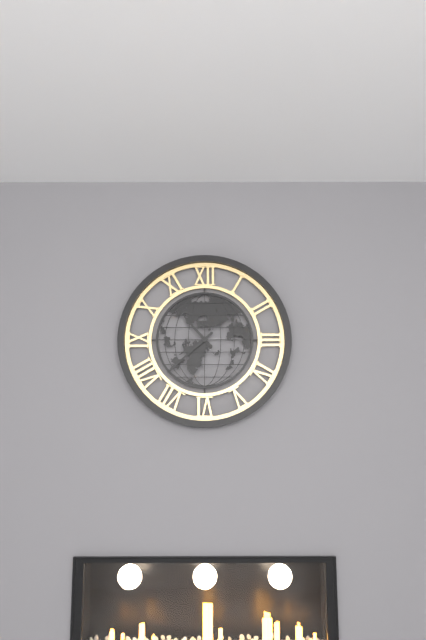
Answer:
10,38
